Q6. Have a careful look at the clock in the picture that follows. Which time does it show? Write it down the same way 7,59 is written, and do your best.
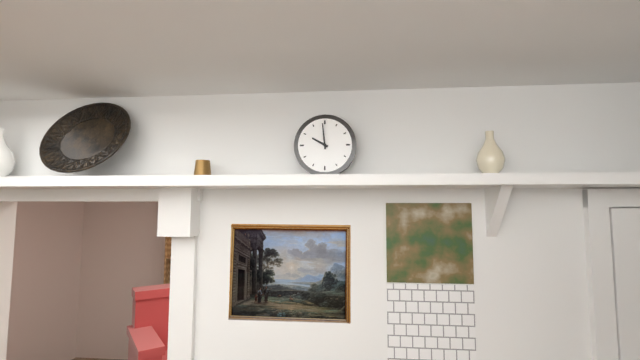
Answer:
9,59
